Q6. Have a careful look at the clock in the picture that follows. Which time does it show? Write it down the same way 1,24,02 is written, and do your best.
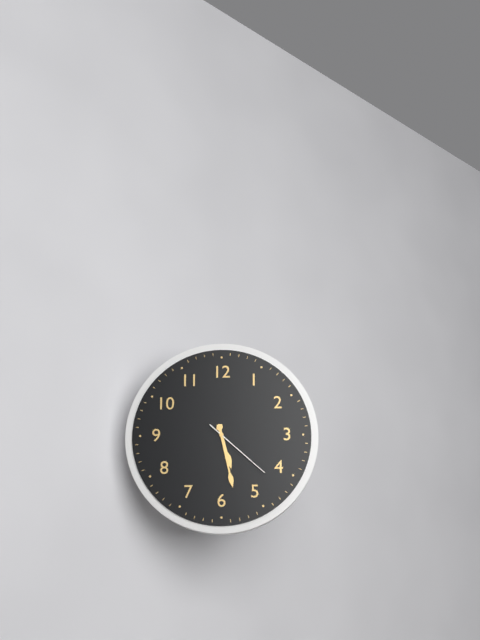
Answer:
5,28,22
